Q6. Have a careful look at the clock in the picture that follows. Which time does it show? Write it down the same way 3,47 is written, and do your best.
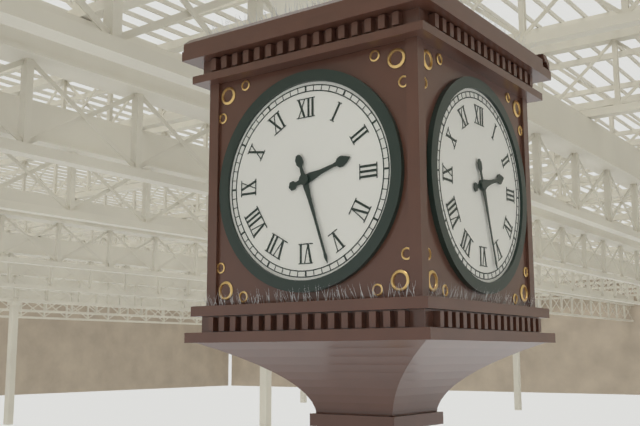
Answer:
2,27
